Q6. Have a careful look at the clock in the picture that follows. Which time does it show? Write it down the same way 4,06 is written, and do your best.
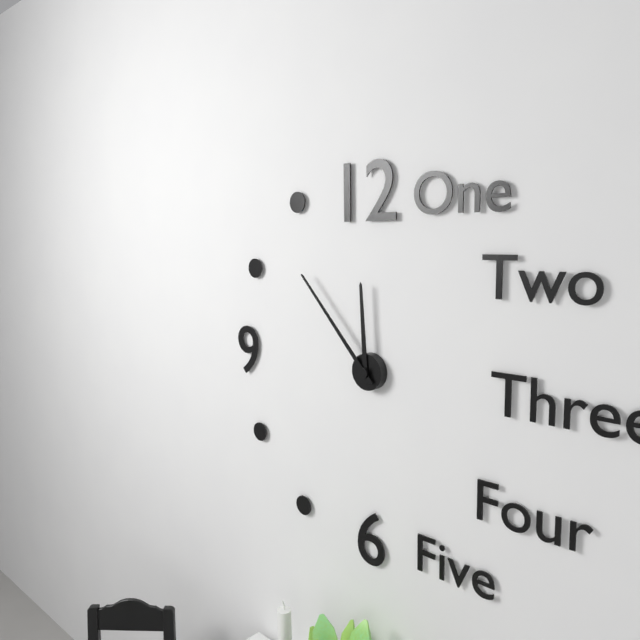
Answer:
11,53
